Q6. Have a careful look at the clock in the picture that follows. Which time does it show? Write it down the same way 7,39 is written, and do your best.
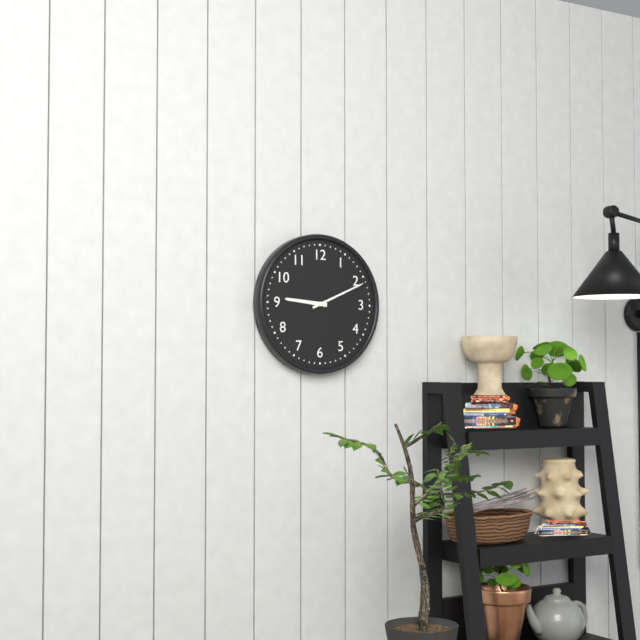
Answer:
9,11
